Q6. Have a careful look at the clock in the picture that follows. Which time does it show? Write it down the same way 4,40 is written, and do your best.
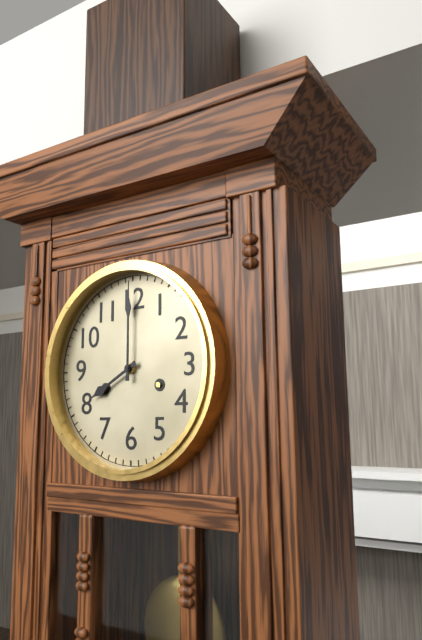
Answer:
8,00
